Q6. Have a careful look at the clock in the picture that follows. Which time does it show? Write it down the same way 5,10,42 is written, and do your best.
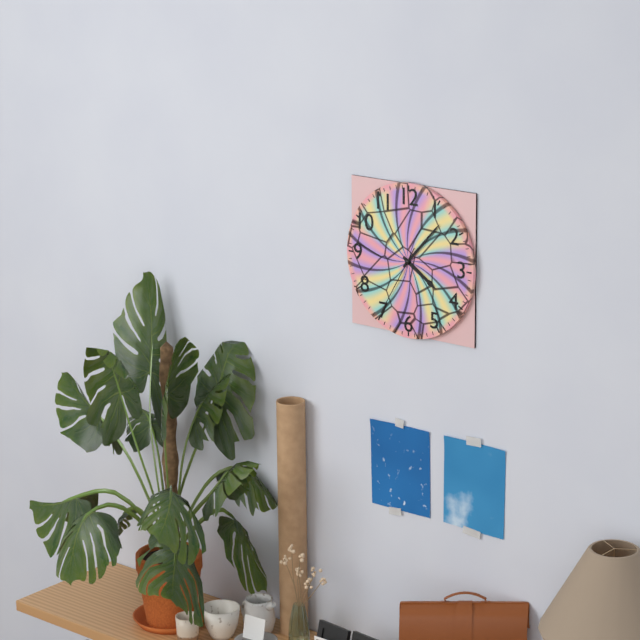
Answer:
4,07,35
